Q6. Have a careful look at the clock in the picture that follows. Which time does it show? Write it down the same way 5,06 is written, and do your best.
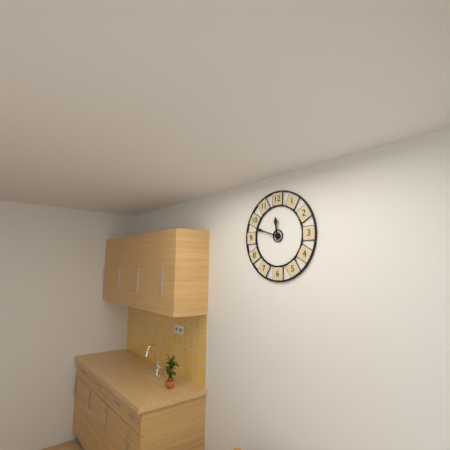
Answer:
11,48
